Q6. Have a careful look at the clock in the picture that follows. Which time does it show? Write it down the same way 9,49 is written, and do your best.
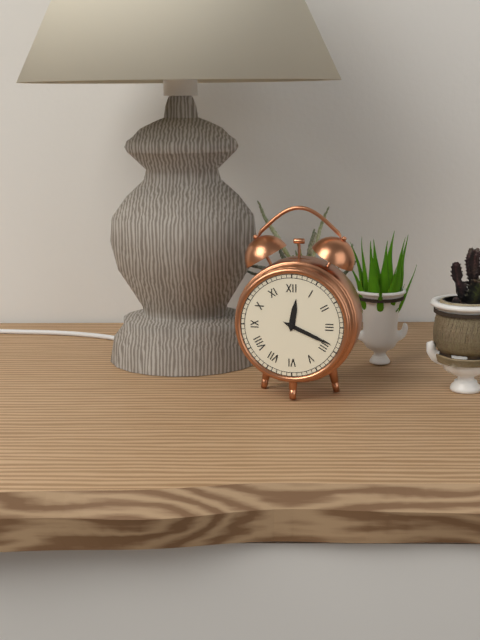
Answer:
12,19
